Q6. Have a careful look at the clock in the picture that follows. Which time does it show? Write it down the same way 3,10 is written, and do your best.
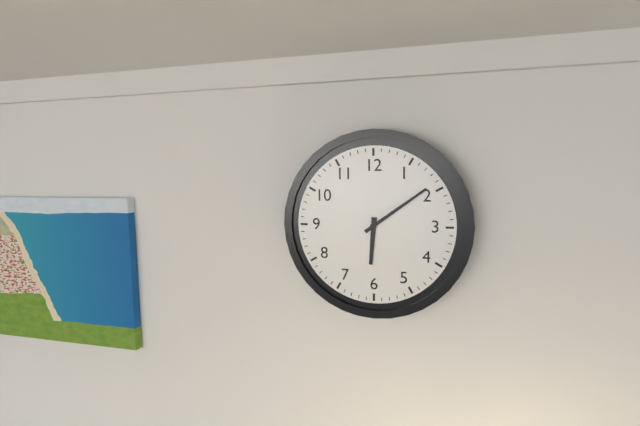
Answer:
6,09
